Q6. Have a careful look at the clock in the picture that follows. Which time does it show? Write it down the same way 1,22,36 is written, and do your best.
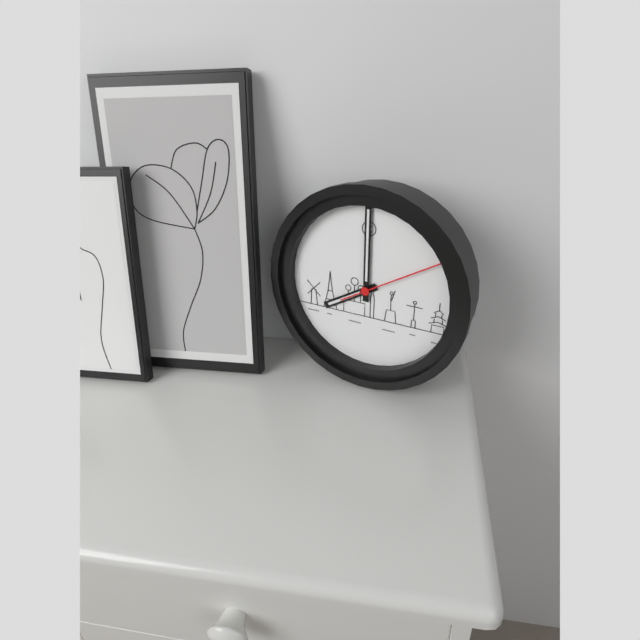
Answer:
8,00,10
